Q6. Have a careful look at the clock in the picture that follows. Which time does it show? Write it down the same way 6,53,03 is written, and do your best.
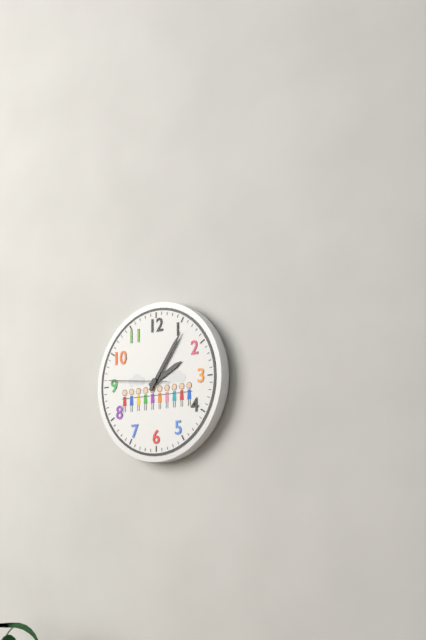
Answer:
2,06,46
